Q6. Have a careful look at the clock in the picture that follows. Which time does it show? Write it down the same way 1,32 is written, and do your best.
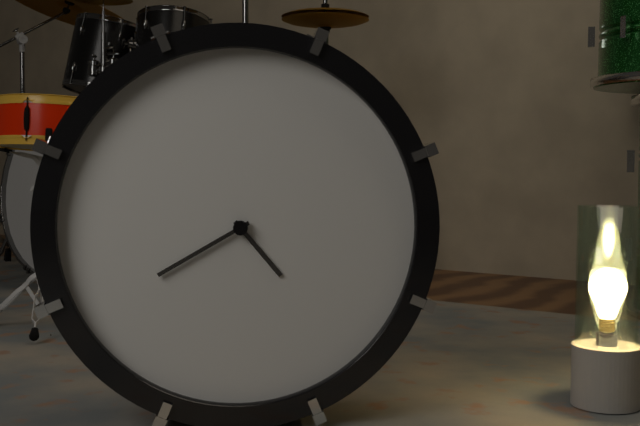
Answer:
4,40
